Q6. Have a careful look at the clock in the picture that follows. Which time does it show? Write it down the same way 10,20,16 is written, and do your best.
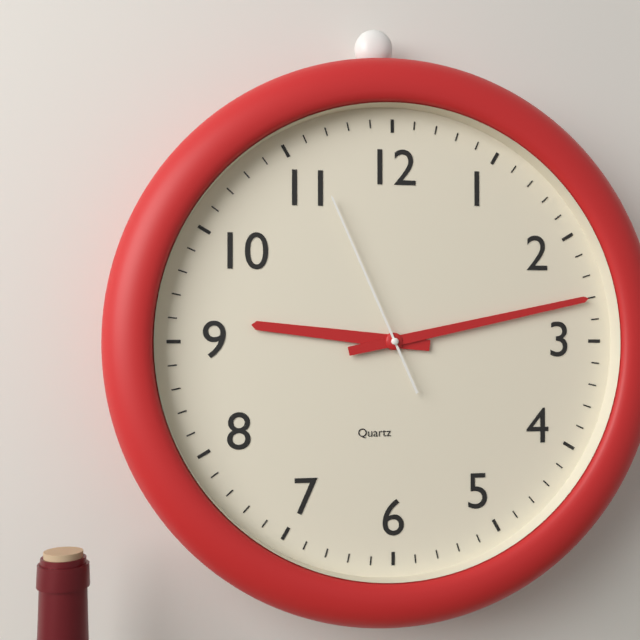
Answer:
9,13,56
